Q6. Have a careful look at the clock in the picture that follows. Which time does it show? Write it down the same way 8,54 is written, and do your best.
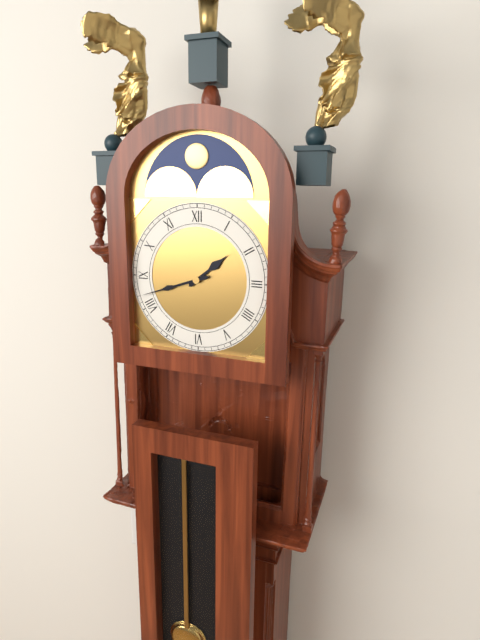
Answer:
1,42
